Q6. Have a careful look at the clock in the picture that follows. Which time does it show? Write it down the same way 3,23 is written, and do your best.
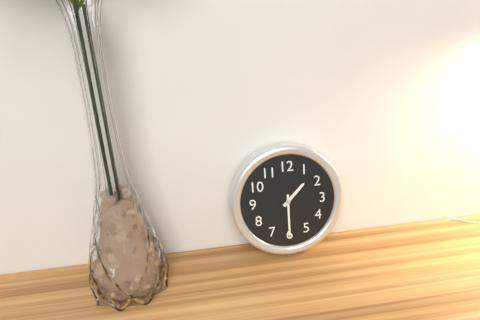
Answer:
1,30
